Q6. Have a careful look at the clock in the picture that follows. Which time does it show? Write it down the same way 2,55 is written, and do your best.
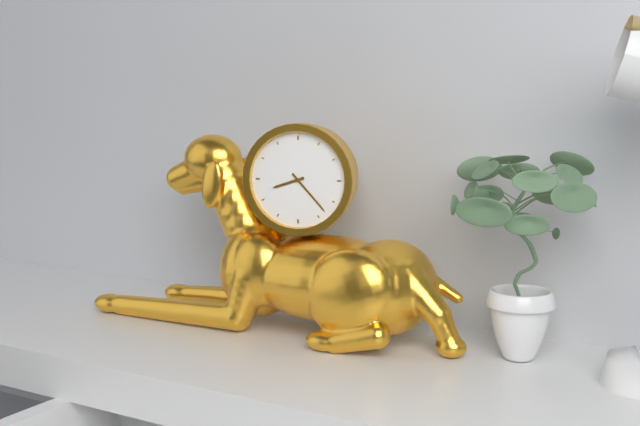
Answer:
8,23
